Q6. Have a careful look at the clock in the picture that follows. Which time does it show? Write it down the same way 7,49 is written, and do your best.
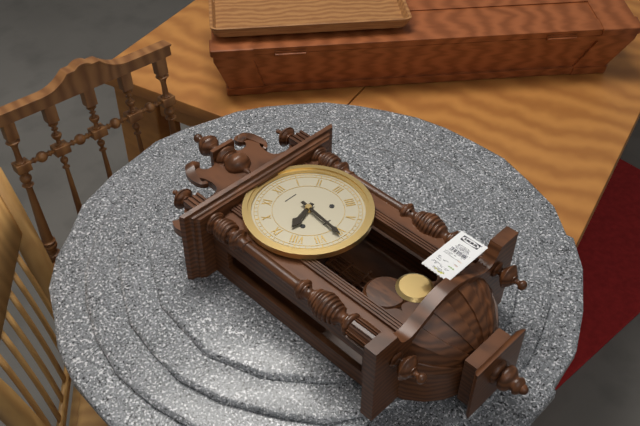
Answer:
8,31
